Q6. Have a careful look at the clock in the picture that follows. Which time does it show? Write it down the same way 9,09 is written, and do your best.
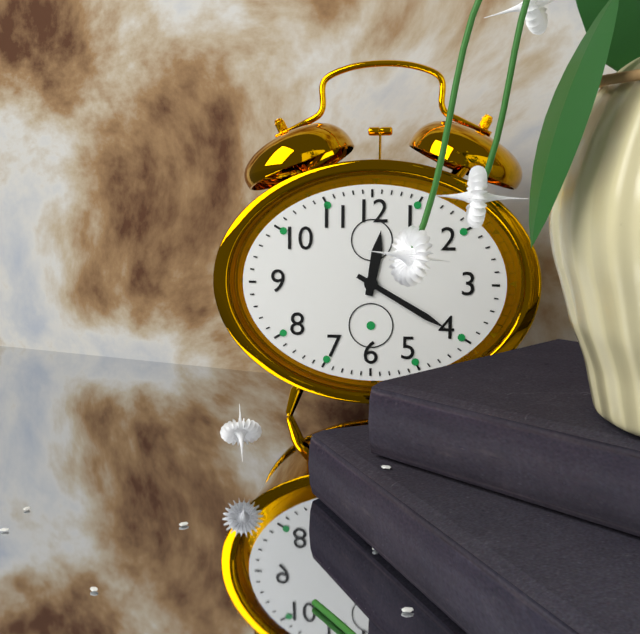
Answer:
12,20
